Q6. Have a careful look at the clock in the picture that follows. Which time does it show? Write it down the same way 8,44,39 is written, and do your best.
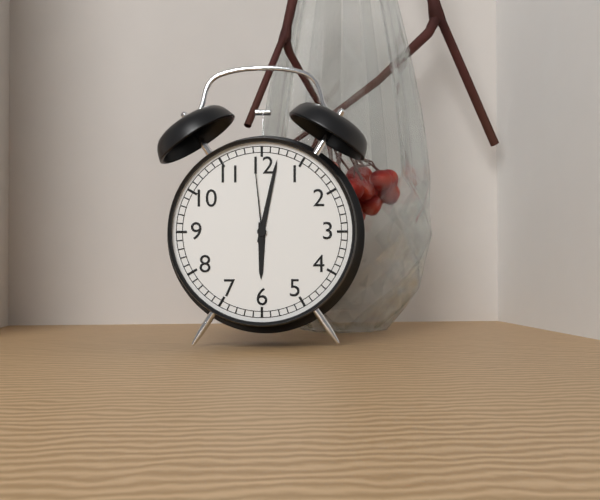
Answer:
6,02,59
